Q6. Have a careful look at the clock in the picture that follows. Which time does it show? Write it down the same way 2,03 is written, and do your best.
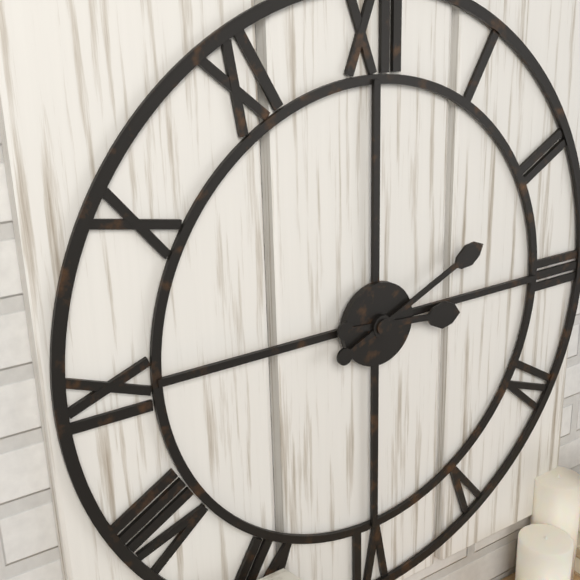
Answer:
3,11
